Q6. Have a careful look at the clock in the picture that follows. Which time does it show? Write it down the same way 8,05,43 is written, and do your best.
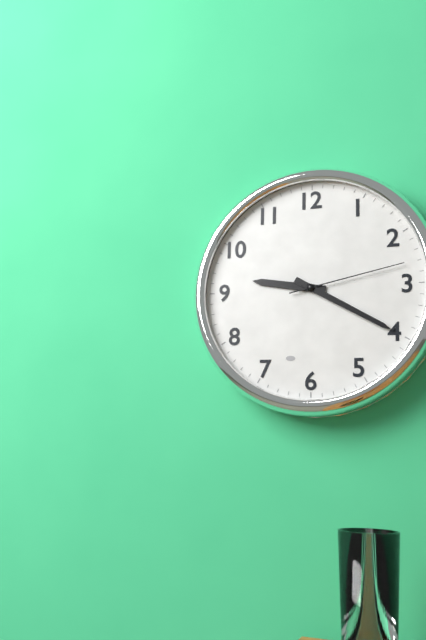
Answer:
9,20,13
